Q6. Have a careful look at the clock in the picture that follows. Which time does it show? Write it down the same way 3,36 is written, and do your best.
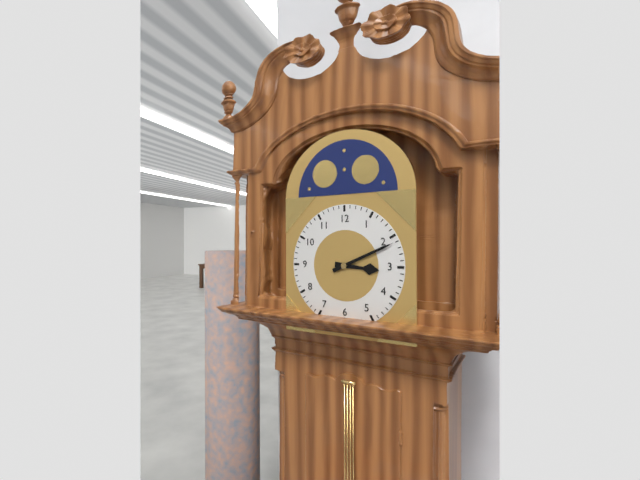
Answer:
3,11
